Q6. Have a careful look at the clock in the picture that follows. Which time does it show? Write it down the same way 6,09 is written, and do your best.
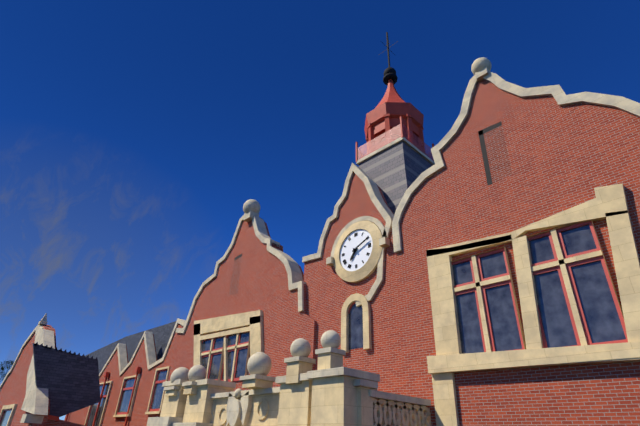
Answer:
7,11
